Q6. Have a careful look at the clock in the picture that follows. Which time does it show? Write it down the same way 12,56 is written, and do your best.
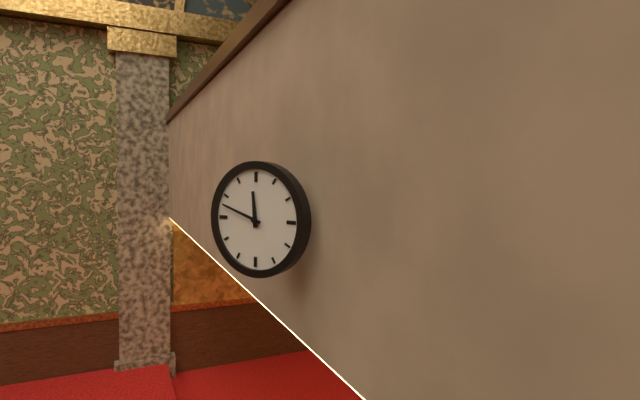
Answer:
11,48
